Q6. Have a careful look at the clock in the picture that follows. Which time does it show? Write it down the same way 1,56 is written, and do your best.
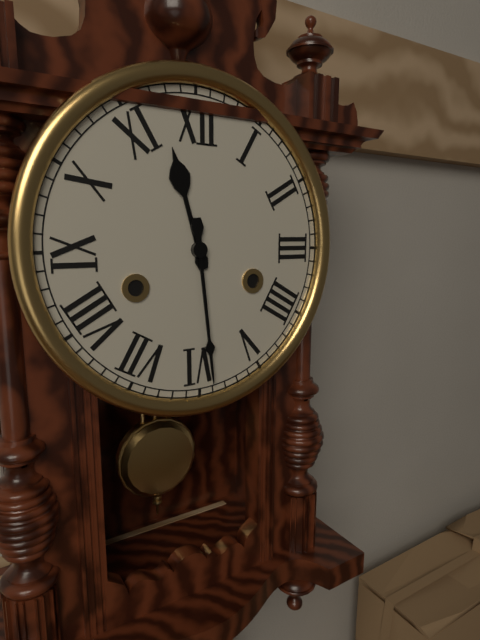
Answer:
11,29
